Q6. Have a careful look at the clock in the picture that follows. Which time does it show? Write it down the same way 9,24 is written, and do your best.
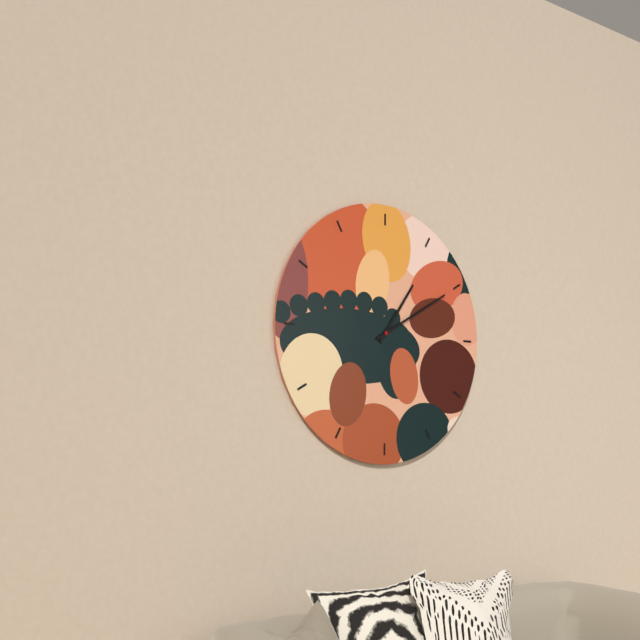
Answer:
1,10
